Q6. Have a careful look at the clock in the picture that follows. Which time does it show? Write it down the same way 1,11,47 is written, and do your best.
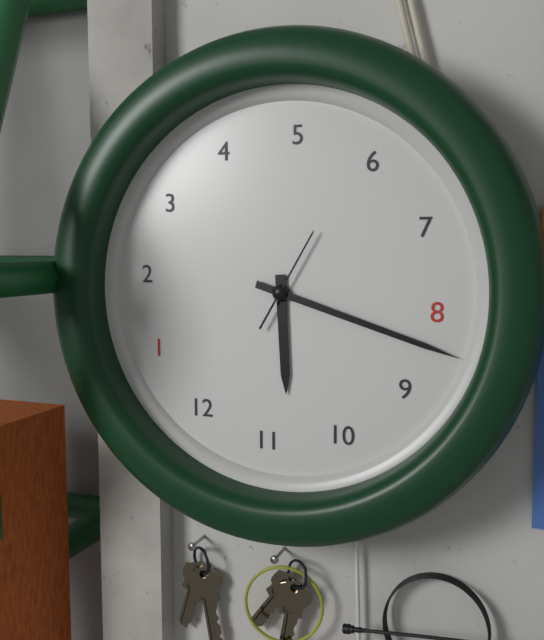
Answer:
10,42,29
